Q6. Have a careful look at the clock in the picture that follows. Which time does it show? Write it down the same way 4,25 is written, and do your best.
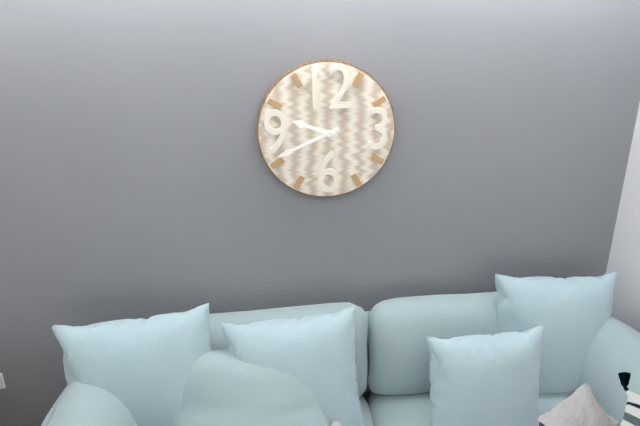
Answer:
9,41
